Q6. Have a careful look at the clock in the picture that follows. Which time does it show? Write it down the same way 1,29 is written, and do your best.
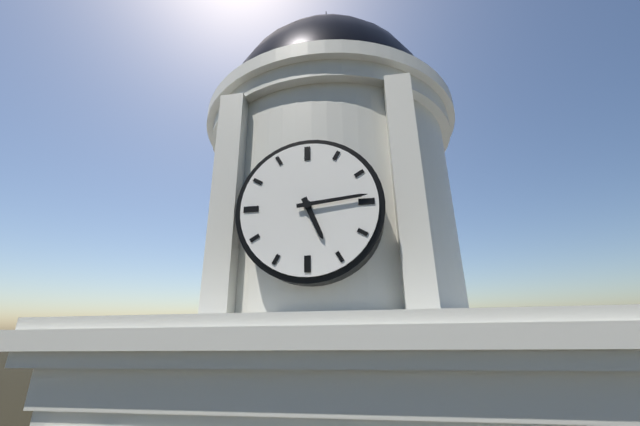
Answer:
5,14
